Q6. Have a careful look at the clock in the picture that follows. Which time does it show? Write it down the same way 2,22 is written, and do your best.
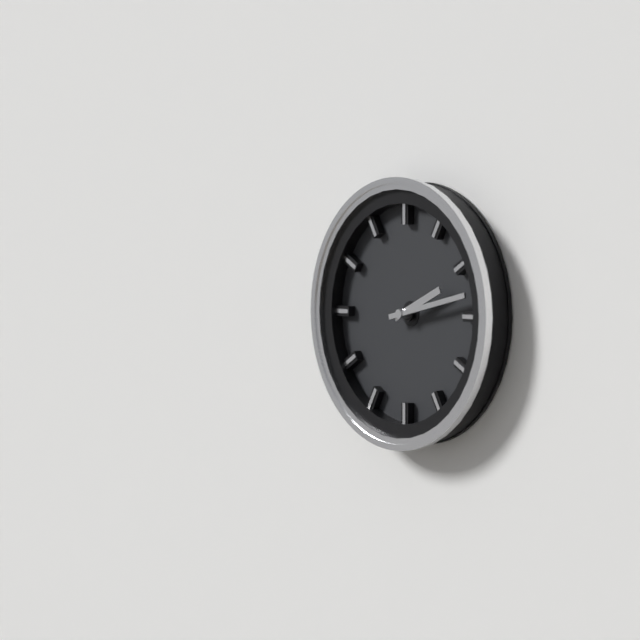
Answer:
2,13
